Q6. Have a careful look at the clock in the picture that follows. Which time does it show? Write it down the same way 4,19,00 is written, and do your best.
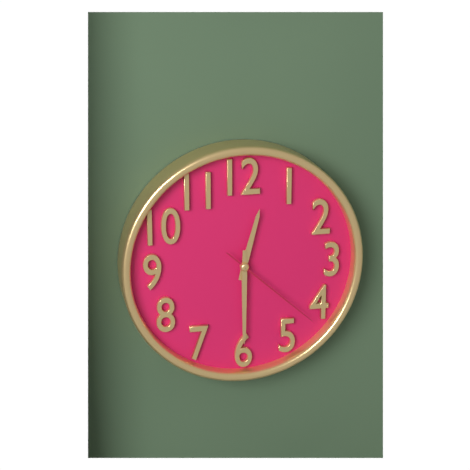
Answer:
12,30,22
